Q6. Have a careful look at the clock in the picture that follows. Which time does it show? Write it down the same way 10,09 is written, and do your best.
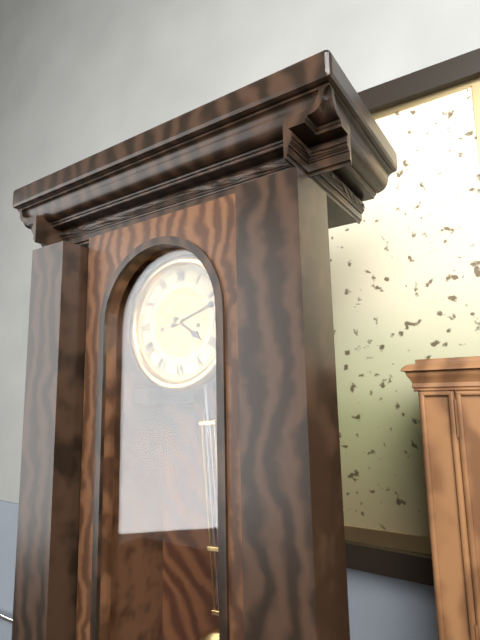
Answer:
4,12
